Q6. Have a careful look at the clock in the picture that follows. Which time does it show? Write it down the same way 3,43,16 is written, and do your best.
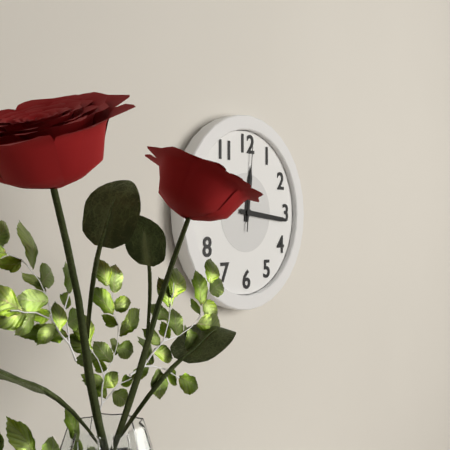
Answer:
12,16,01
